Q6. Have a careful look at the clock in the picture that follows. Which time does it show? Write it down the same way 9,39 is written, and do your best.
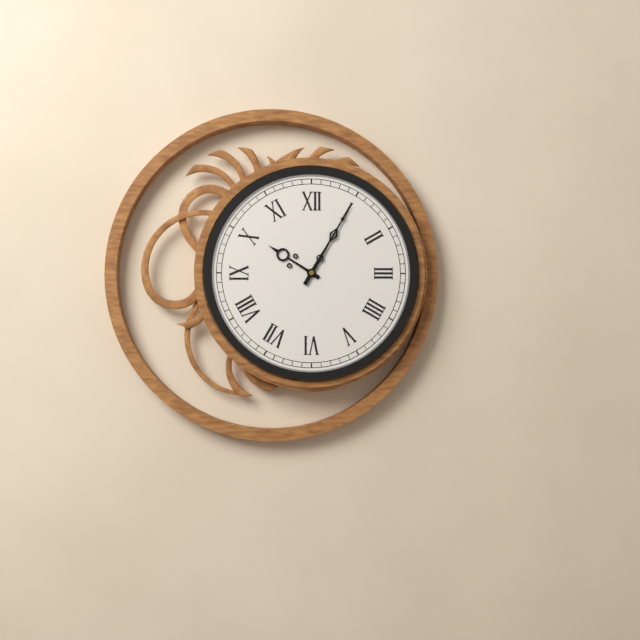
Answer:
10,05
